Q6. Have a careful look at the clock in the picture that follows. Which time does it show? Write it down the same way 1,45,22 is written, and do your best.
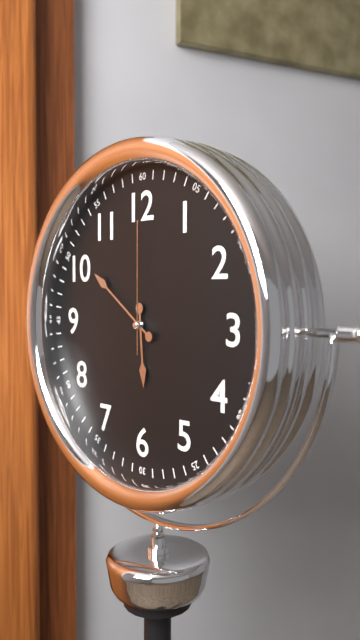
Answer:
5,51,00
